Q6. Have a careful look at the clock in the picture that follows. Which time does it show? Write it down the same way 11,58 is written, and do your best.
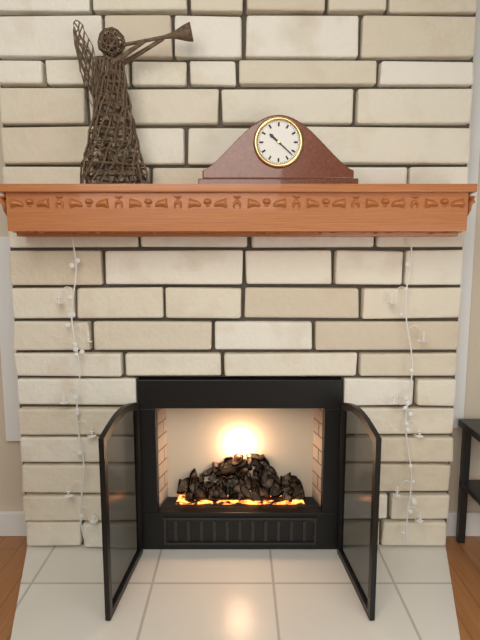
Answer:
10,22
